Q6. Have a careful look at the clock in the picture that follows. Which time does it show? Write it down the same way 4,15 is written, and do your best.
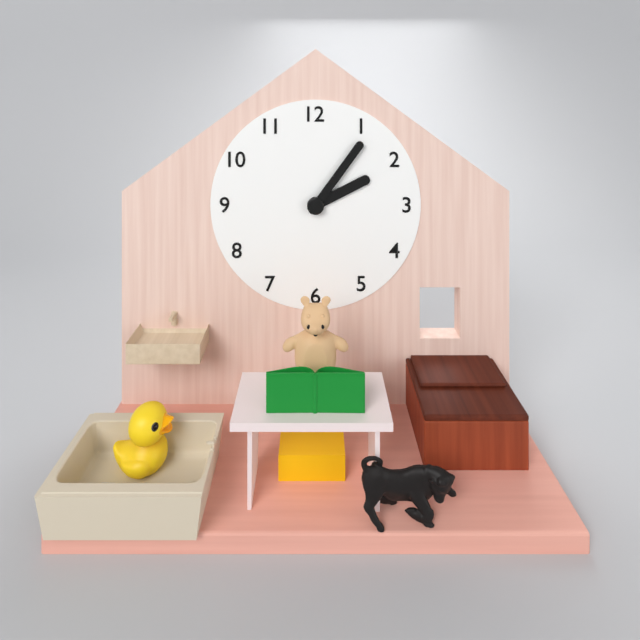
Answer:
2,06
